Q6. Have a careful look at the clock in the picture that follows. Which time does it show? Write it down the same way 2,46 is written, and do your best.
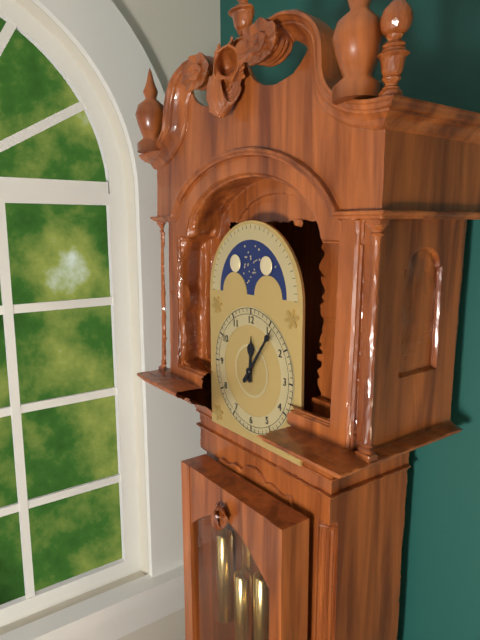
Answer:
12,06
